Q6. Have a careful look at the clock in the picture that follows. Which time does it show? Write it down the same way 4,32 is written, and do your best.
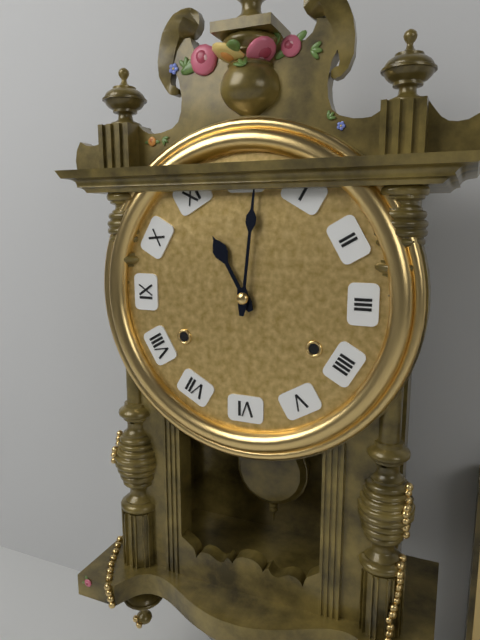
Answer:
11,01
